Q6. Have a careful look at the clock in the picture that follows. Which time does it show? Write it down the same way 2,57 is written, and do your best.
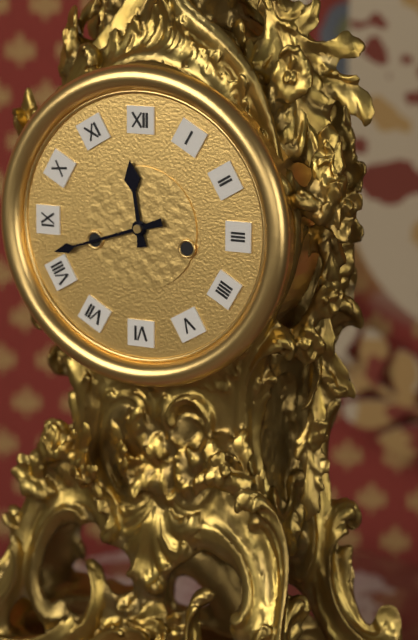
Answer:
11,42
